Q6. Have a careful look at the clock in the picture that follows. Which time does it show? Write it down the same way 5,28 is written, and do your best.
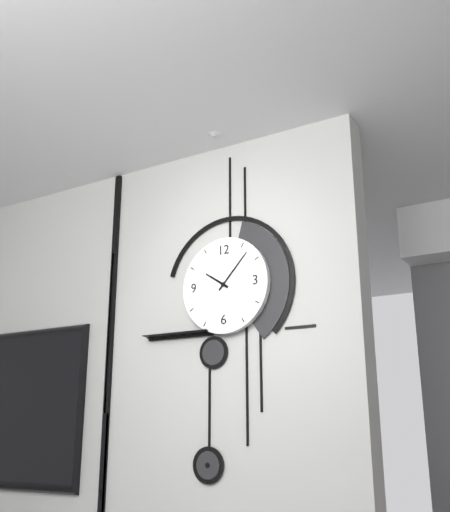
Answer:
10,07
